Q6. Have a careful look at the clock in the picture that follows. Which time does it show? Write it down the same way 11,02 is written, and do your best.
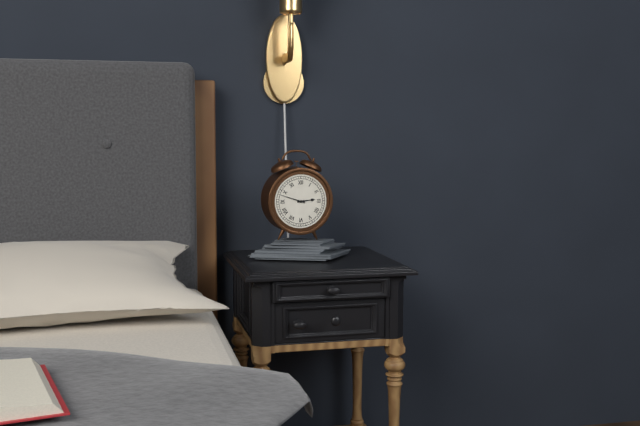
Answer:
2,48
